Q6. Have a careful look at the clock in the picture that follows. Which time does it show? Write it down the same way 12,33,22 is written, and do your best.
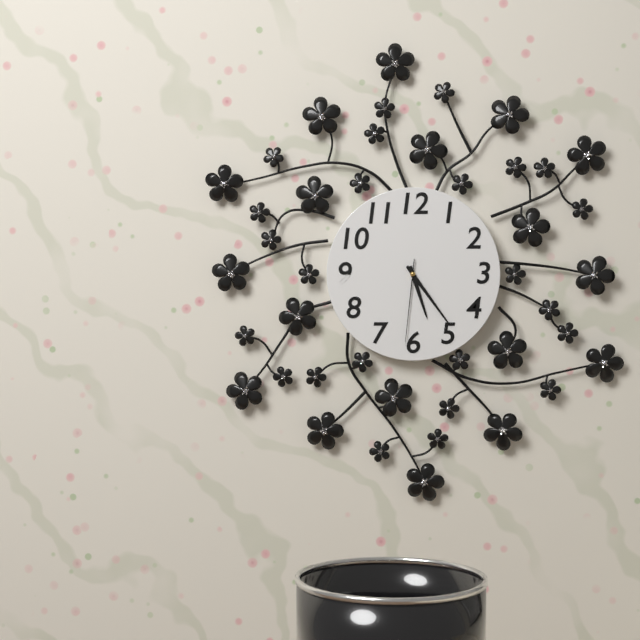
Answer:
5,24,31
